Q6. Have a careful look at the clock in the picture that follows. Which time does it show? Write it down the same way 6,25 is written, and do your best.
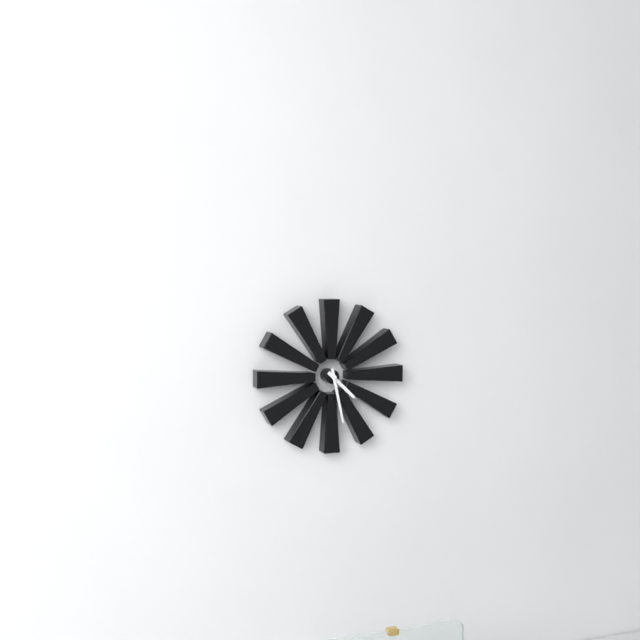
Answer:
4,28
